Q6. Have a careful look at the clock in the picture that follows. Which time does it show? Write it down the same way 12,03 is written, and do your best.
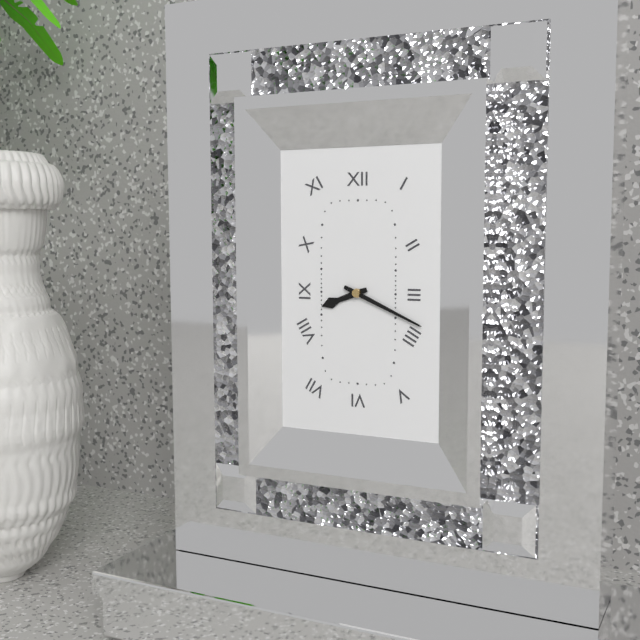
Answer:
8,19
